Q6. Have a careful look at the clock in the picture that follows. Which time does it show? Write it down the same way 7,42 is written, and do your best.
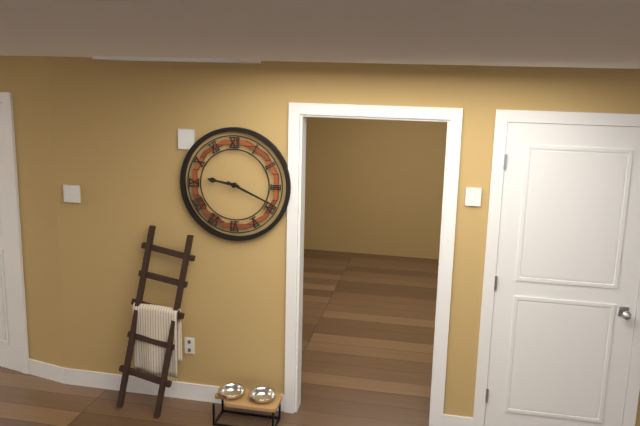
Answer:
9,19
